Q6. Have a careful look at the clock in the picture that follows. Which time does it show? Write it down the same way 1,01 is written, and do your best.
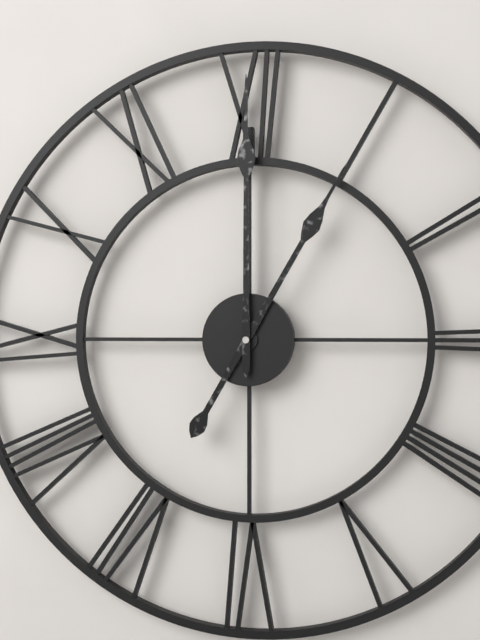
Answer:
1,00
